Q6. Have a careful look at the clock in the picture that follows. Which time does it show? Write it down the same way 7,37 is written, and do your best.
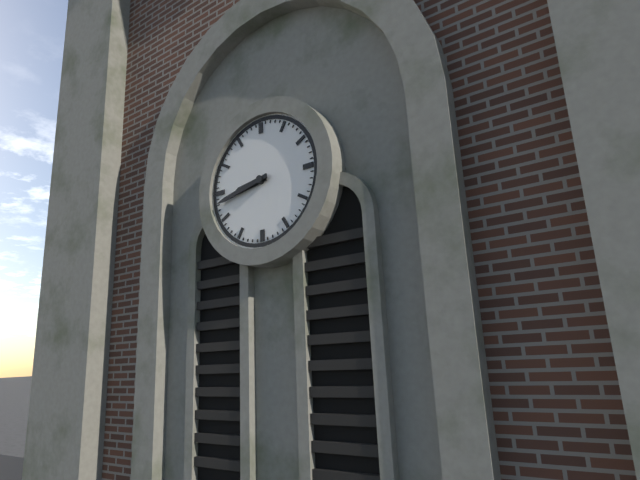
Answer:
8,43
